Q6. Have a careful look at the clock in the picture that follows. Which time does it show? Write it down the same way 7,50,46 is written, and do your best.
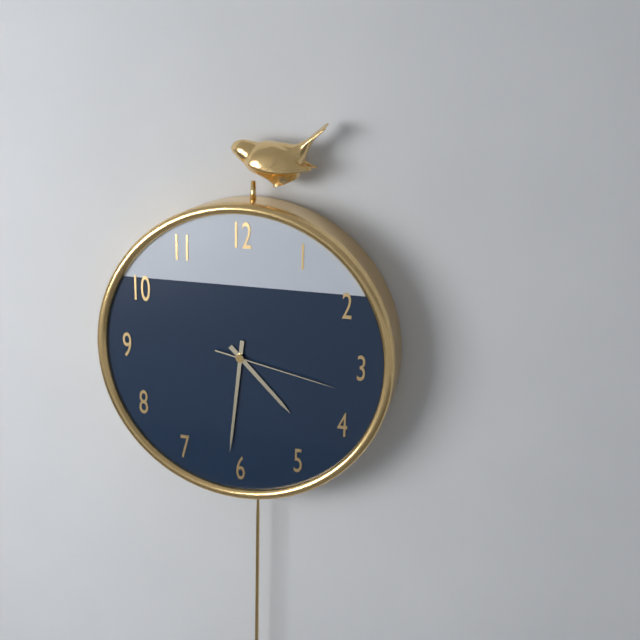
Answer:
4,31,17
